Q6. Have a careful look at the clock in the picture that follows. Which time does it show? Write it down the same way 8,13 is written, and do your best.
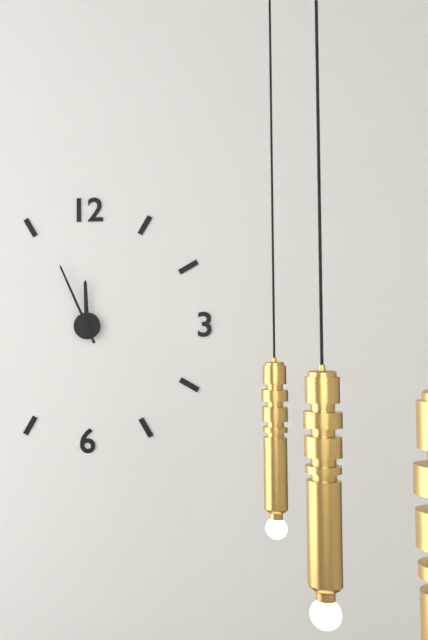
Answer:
11,56
